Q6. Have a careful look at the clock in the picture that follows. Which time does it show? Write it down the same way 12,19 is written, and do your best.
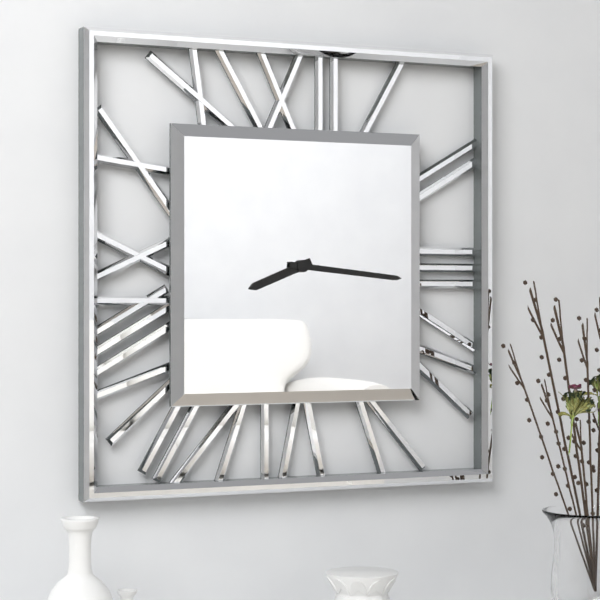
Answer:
8,16
